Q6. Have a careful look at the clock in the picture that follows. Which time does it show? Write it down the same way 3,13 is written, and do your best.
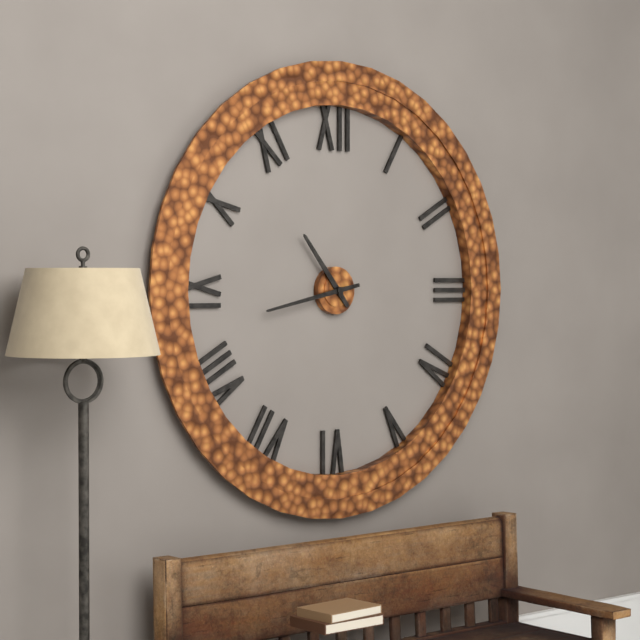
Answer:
10,43
